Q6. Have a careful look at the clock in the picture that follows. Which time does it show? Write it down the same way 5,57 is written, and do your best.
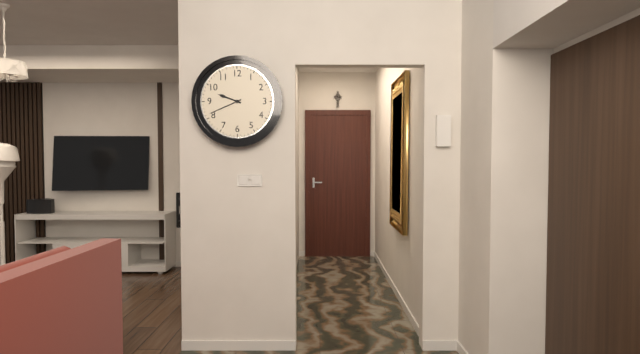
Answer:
9,41
